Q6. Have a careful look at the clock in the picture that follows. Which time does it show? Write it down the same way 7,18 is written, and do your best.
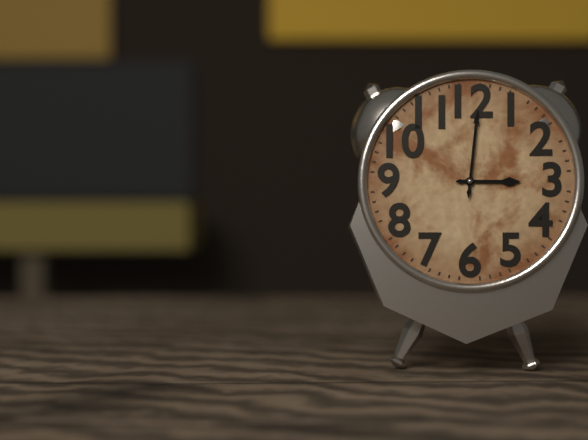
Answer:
3,01
